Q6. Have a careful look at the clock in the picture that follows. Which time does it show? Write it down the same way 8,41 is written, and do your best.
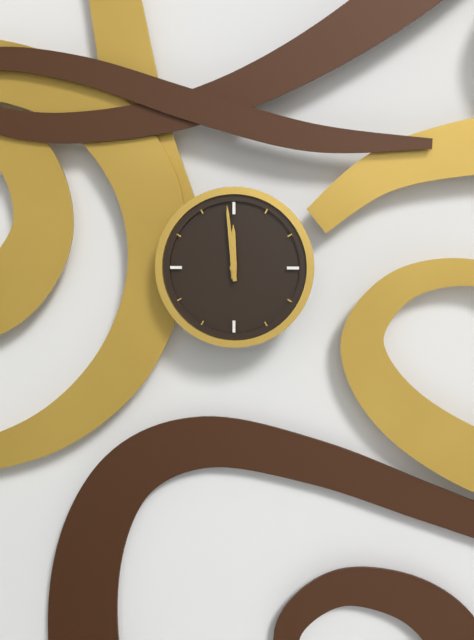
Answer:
11,59
